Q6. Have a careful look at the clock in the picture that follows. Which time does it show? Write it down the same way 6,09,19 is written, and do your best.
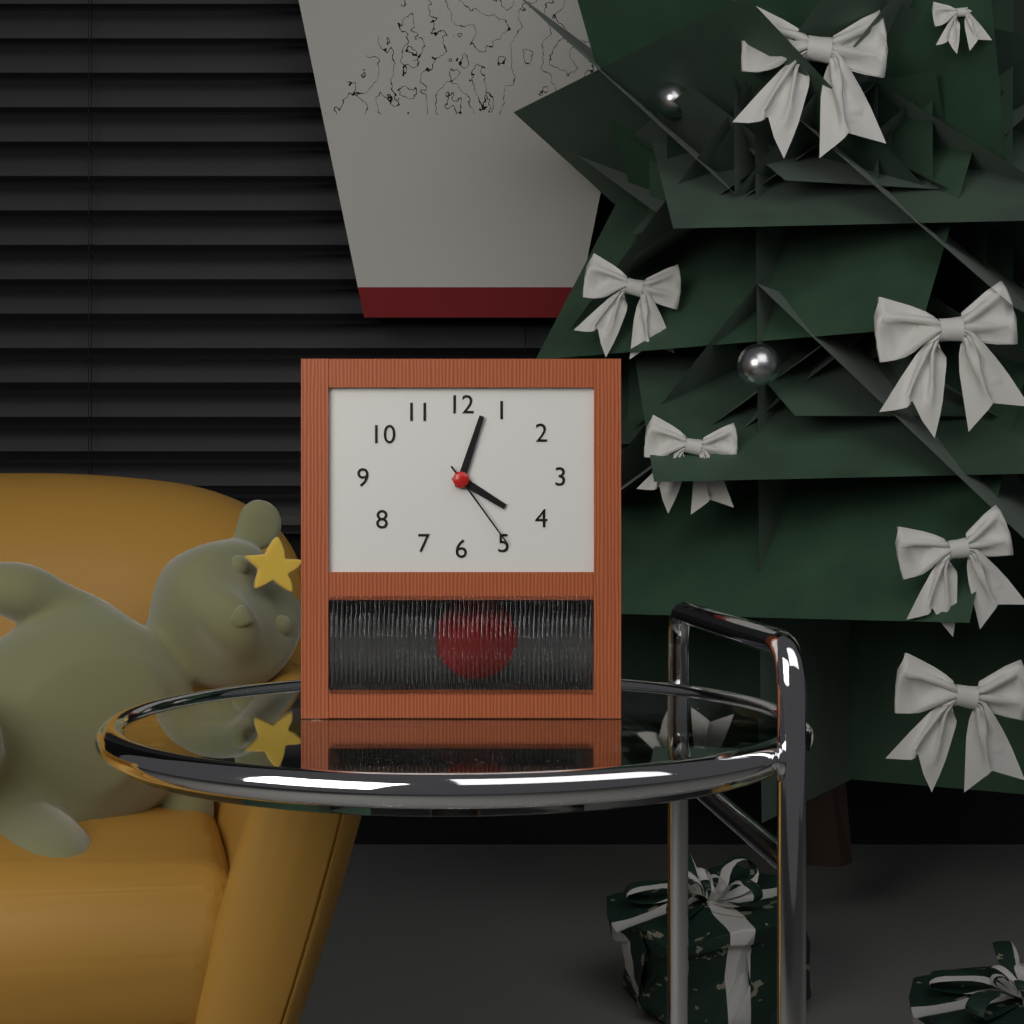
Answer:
4,03,24
